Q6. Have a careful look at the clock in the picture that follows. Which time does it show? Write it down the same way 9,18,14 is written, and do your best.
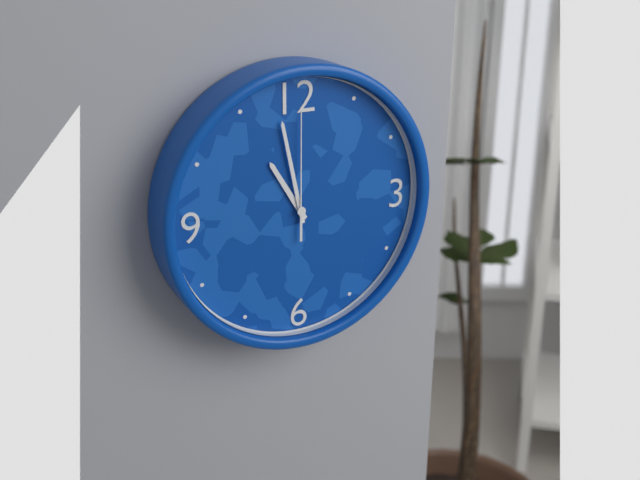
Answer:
10,58,00
